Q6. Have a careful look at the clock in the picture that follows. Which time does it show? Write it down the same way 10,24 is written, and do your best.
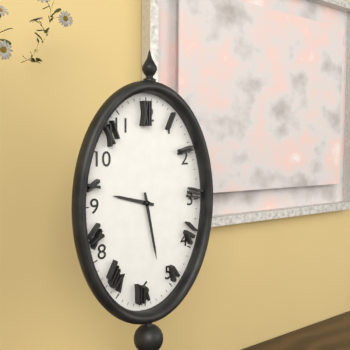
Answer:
9,28
